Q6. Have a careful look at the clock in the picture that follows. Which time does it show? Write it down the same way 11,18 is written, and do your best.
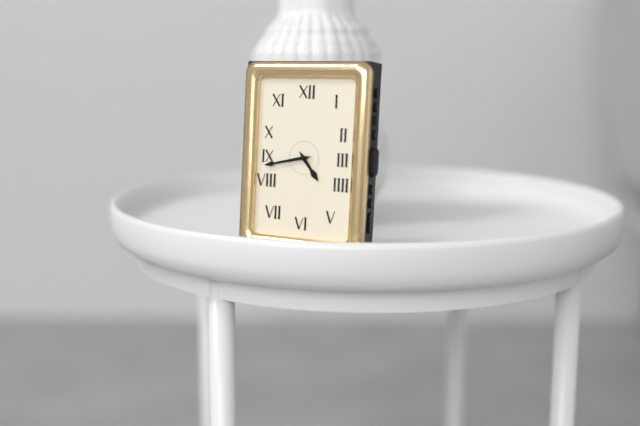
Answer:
4,43
